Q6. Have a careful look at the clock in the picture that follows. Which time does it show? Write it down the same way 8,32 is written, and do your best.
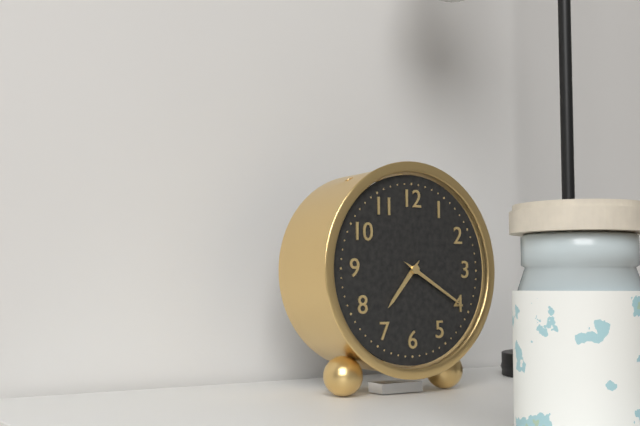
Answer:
7,20
